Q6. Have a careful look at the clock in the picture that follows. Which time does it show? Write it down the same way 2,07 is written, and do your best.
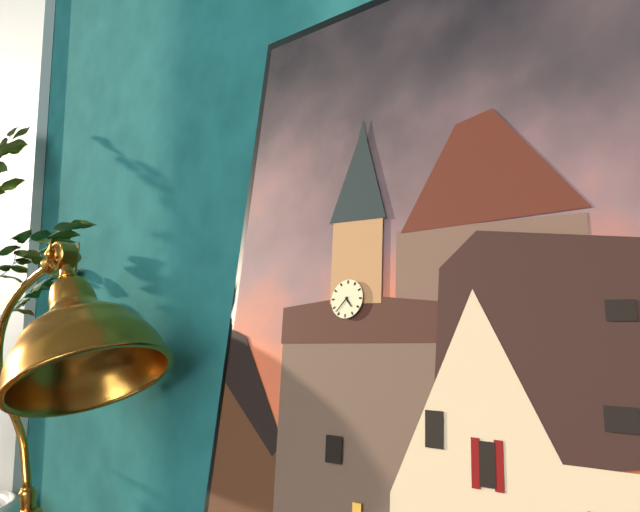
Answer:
4,37
